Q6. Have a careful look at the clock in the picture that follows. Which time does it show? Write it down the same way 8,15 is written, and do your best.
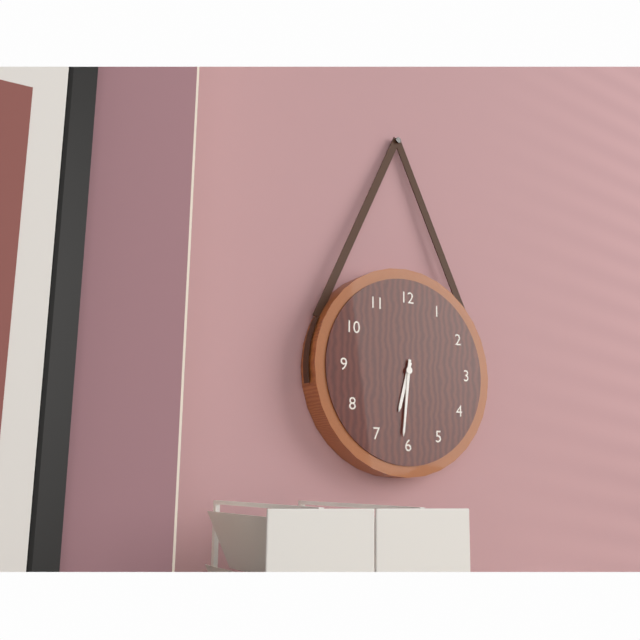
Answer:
6,31
